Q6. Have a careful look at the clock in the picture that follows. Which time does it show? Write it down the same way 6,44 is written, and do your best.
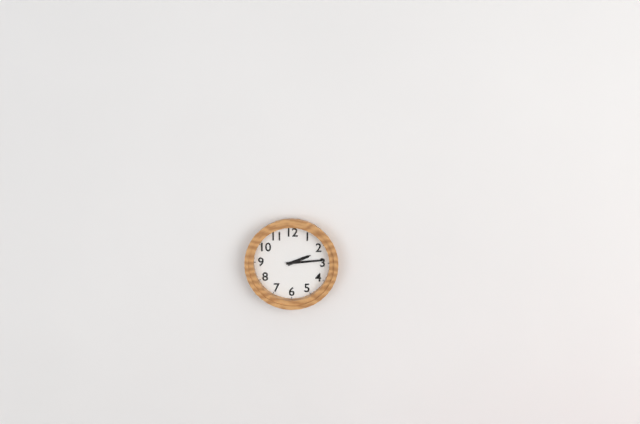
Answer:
2,14
